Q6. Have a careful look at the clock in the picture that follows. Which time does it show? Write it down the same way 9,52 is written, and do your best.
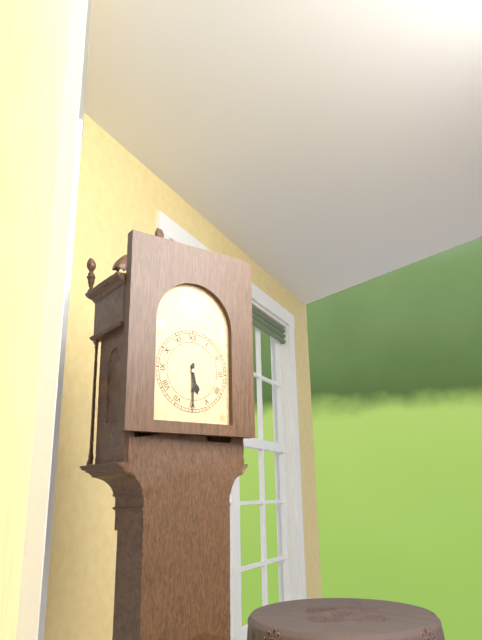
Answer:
5,30
